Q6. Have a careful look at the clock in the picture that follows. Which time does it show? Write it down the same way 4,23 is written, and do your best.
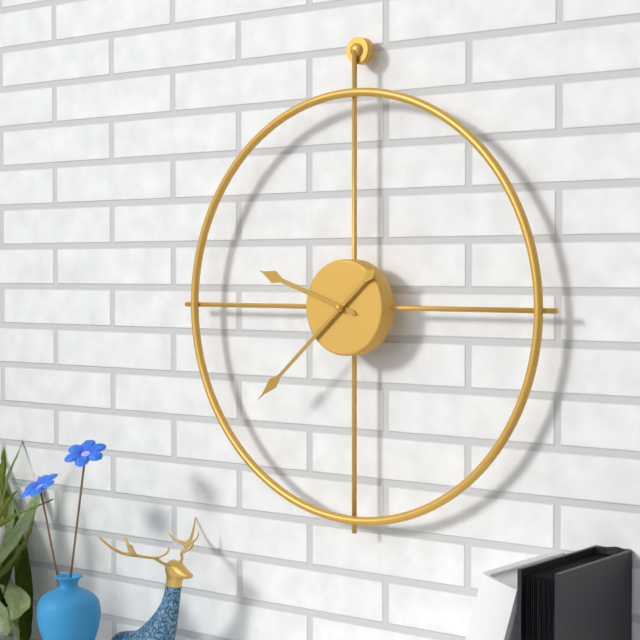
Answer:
9,38
